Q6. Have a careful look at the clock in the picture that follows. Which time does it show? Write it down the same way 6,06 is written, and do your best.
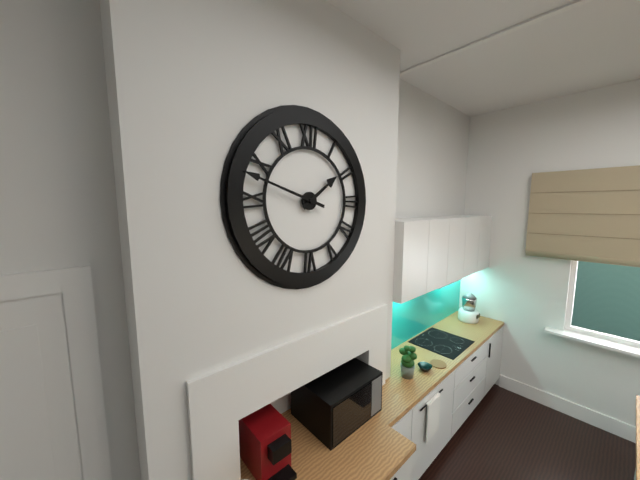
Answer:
1,48
